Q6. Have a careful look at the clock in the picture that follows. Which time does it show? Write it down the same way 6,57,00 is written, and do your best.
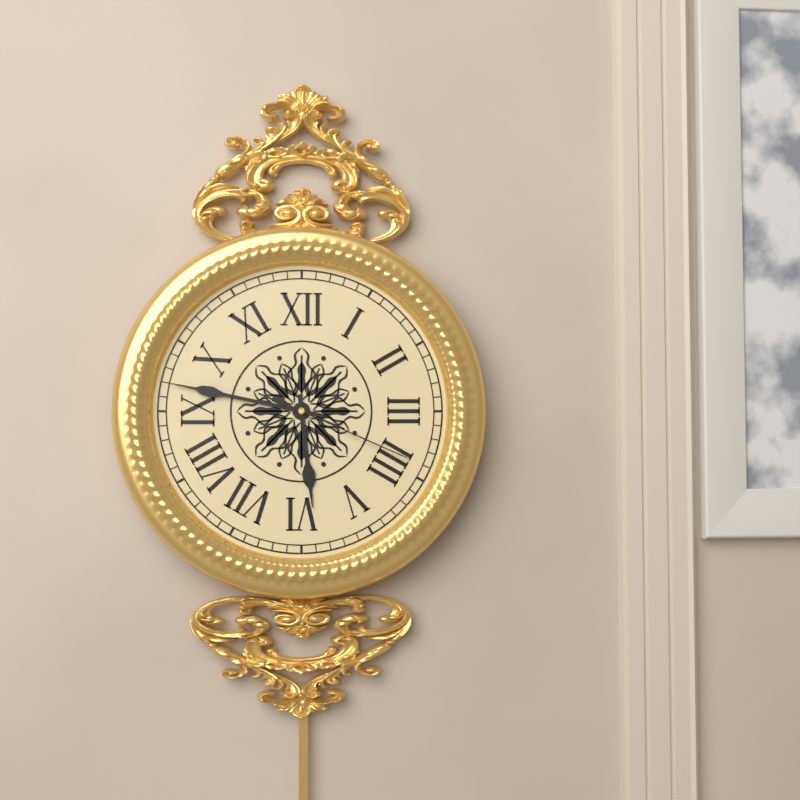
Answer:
5,47,19
